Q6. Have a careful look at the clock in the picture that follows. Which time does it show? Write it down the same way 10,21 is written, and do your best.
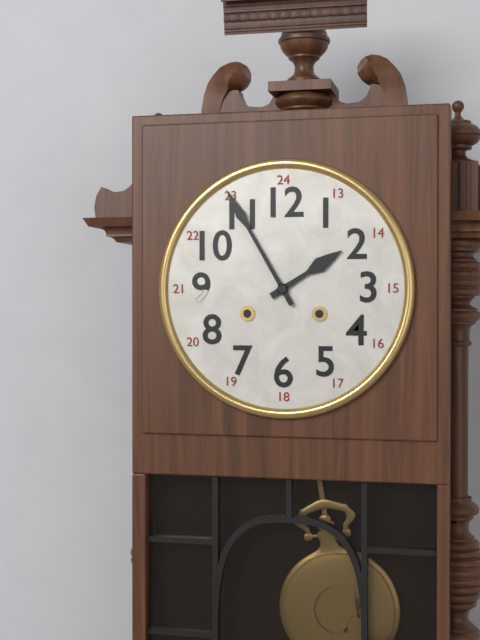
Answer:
1,55
